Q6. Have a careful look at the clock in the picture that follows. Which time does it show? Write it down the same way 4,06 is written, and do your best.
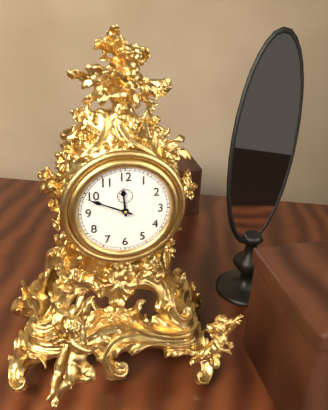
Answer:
11,49
